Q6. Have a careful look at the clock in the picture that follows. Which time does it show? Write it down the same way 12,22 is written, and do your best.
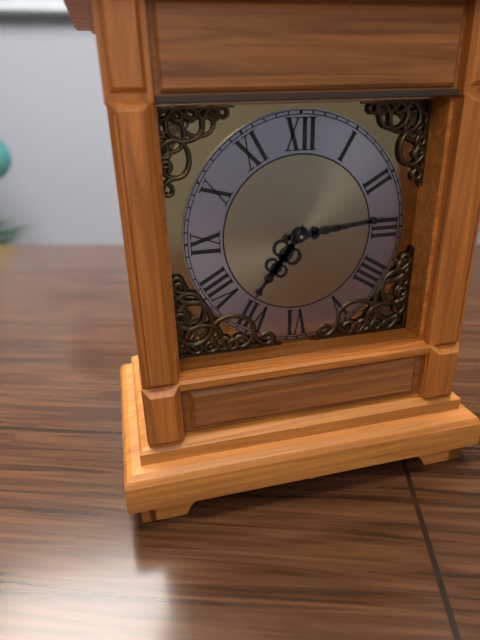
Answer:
7,14
